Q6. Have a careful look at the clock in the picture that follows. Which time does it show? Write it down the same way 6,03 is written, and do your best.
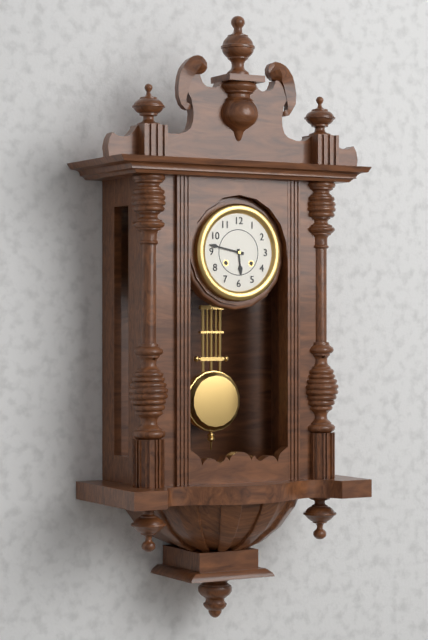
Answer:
5,47
